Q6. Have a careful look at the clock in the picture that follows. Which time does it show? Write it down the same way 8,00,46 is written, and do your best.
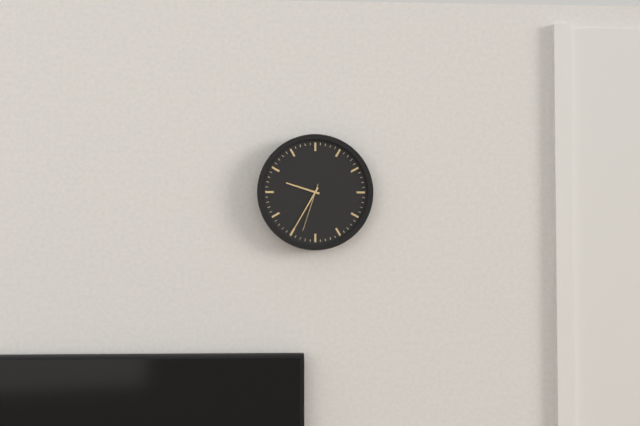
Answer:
9,35,33
